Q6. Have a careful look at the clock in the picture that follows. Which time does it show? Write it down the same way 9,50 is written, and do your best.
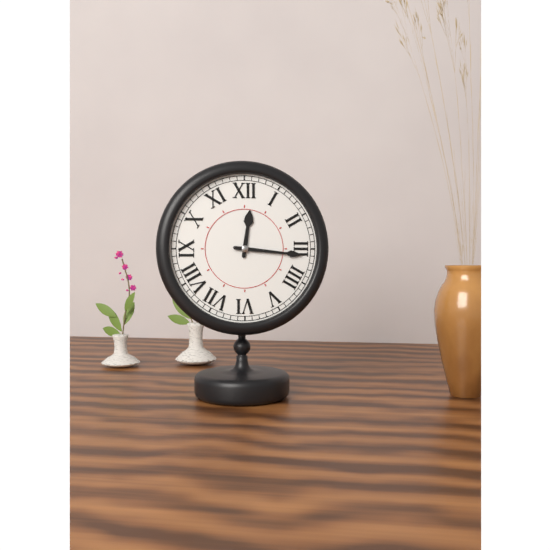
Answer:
12,16
